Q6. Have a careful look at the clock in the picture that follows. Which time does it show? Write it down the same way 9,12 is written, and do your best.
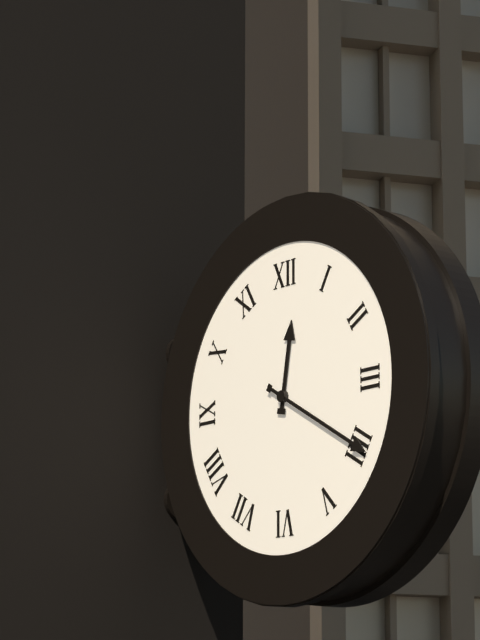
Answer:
12,20
